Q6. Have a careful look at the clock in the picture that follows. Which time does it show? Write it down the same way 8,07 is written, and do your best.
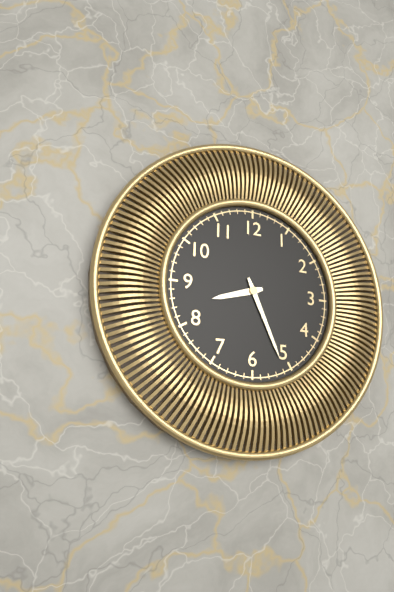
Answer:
8,26
